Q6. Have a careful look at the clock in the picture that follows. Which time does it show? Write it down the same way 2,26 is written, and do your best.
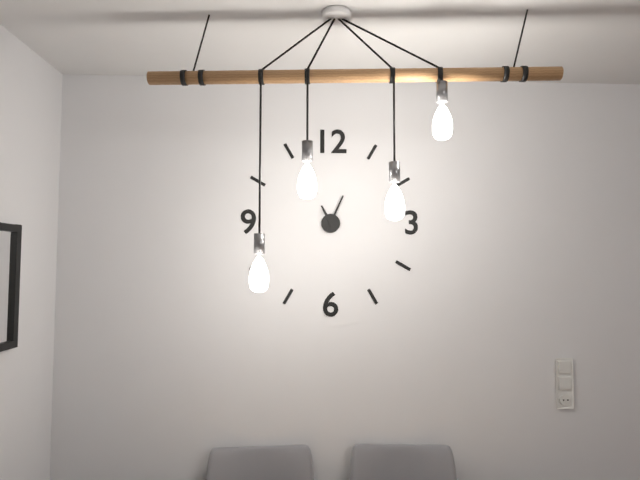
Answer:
11,04
